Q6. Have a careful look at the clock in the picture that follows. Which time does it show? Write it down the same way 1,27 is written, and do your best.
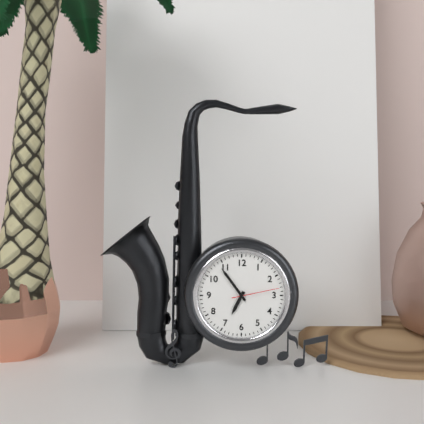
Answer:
6,54
